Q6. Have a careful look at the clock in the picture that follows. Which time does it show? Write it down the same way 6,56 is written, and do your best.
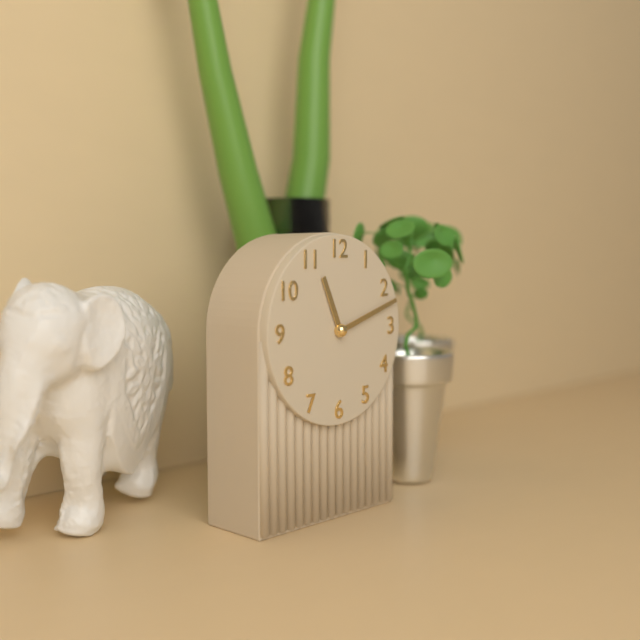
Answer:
11,12
